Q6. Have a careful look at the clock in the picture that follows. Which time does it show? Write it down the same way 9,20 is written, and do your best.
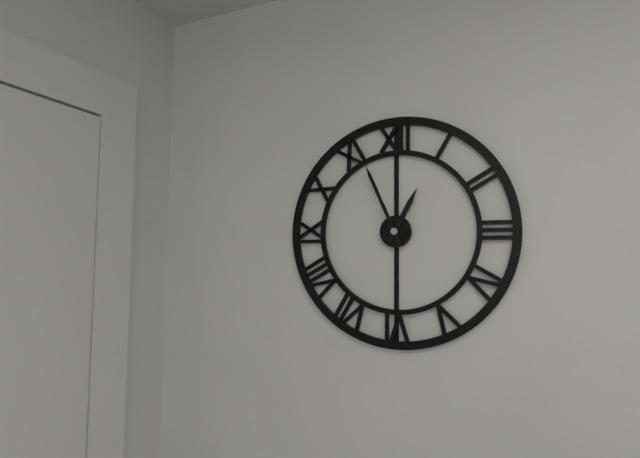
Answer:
12,56
